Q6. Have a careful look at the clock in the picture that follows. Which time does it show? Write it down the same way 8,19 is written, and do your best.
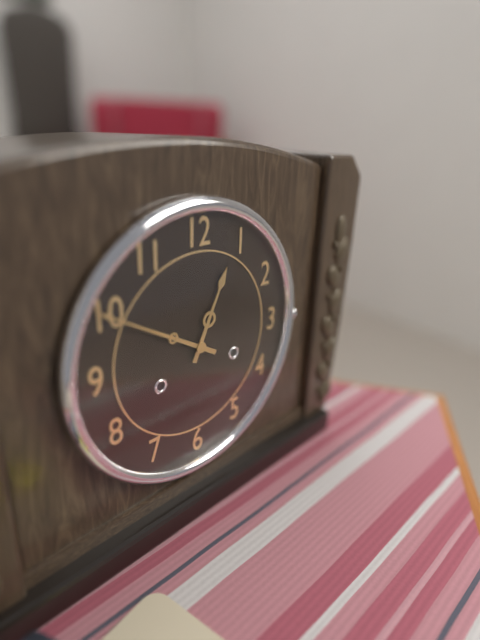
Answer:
12,50
